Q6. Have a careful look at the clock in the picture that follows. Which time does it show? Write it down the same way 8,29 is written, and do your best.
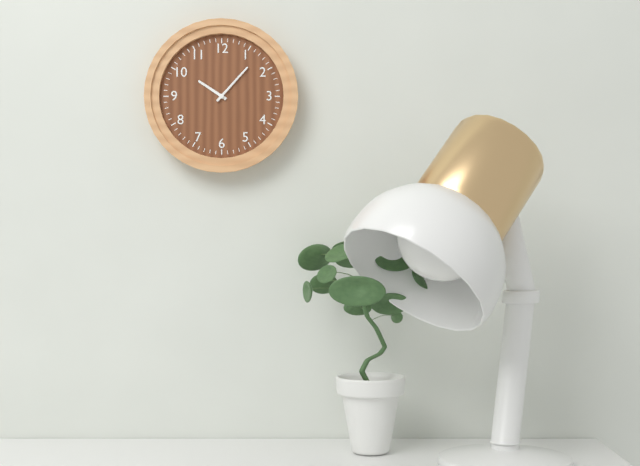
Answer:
10,07
